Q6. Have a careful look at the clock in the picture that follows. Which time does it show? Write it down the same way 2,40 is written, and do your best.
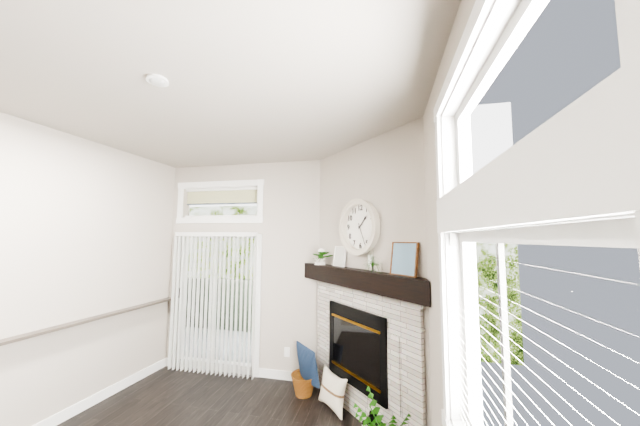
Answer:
1,26
